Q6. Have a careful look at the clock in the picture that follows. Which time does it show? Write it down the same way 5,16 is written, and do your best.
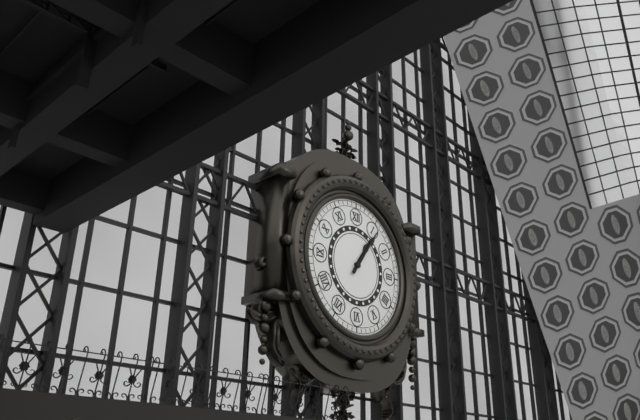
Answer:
1,06
